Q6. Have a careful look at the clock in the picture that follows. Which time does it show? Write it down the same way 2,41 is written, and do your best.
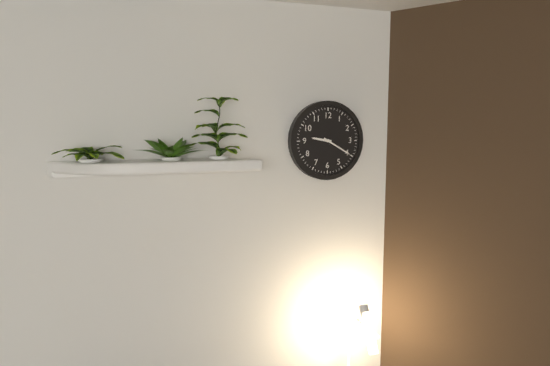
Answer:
9,20
